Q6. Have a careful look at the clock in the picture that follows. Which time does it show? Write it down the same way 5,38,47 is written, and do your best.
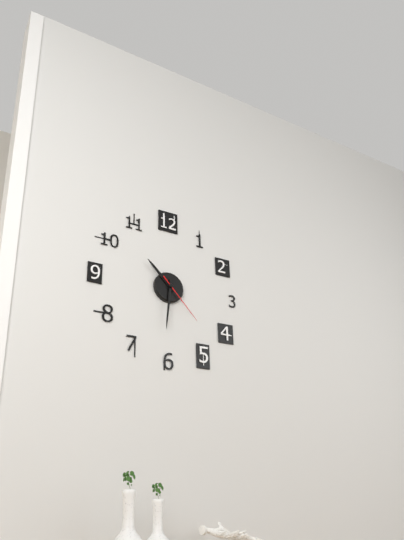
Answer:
10,31,23
